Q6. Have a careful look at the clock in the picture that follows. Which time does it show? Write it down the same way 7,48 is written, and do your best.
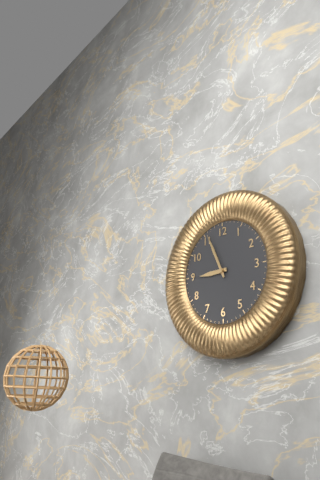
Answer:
8,56
